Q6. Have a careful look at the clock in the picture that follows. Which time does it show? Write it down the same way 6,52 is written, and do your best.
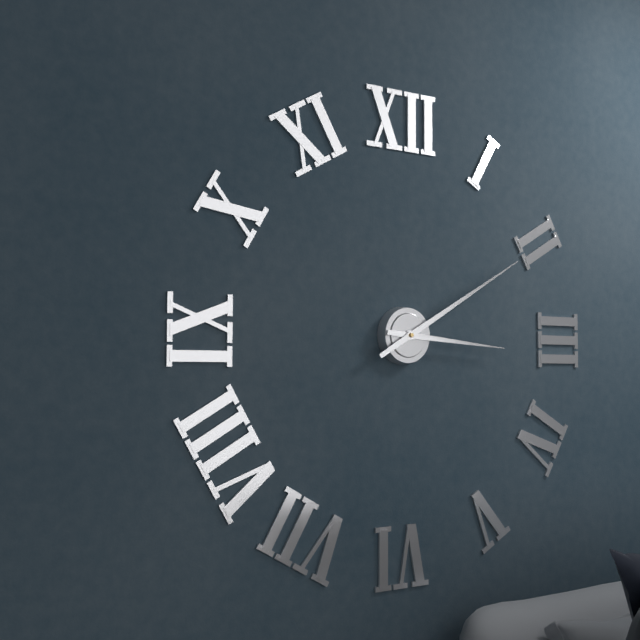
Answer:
3,10
